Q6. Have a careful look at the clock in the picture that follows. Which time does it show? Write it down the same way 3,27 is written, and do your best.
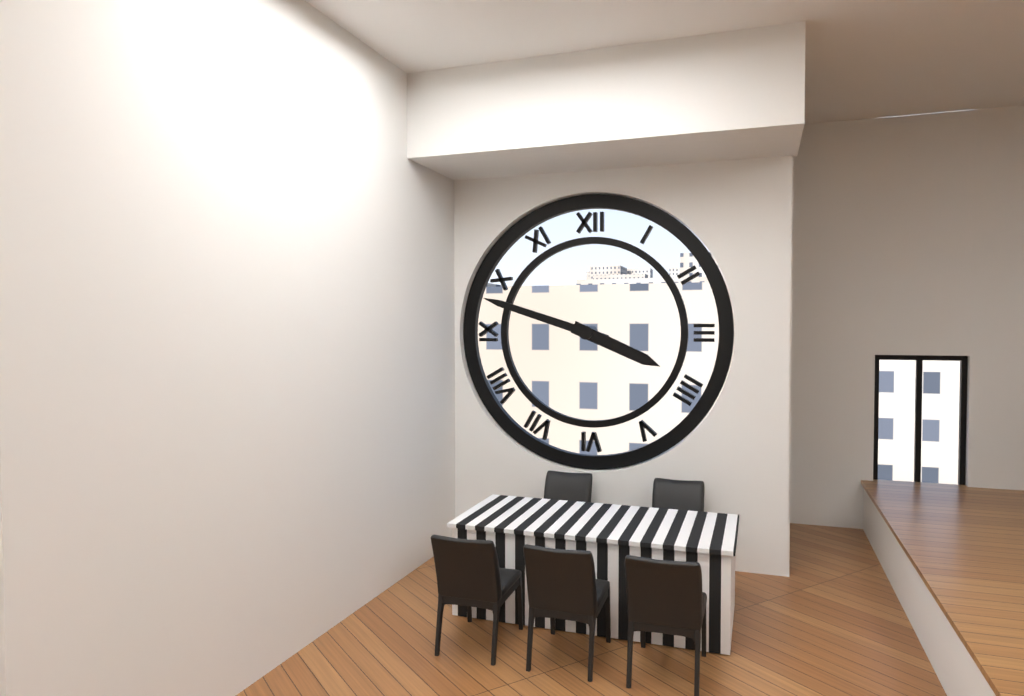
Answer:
3,48
